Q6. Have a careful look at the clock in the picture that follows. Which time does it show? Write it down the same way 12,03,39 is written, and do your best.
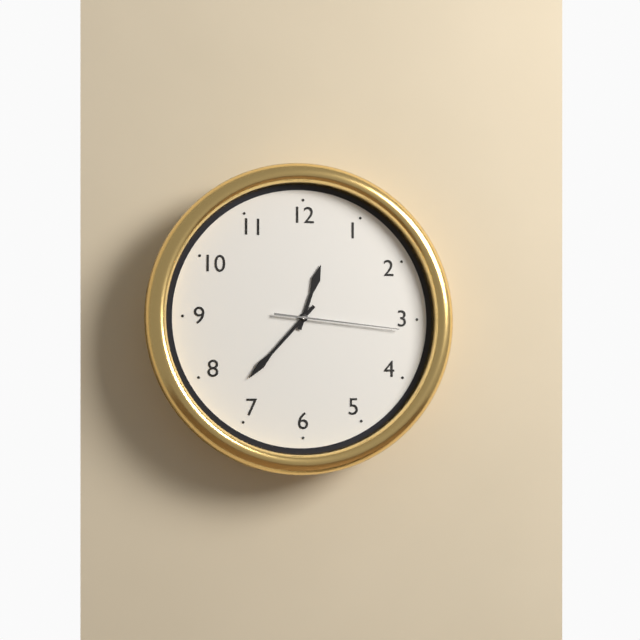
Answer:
12,37,16
